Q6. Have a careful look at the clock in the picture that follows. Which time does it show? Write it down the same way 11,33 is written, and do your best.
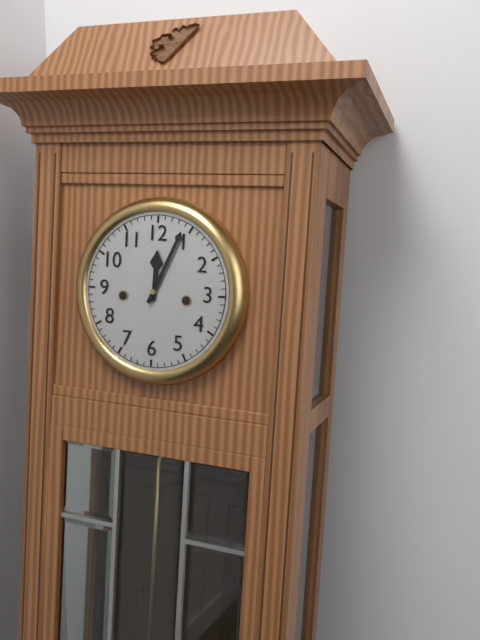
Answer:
12,04
